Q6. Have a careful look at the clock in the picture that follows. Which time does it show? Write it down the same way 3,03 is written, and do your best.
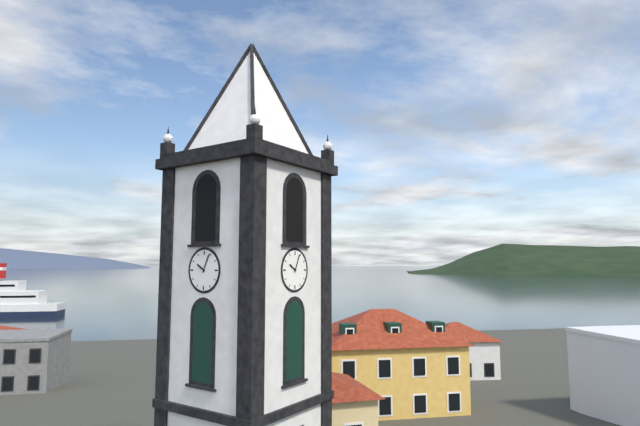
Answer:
10,04
